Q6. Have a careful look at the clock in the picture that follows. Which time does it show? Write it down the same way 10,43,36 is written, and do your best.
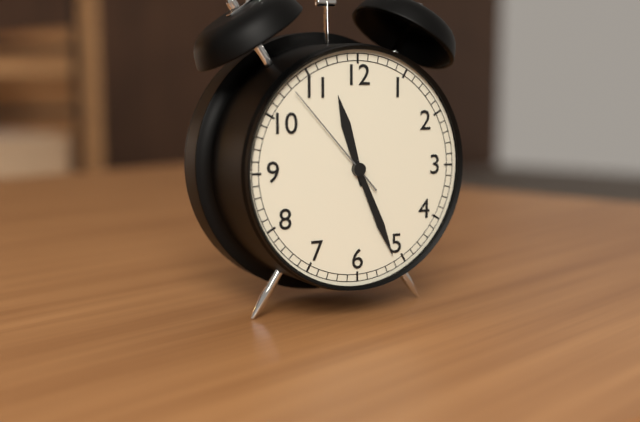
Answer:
11,26,53
